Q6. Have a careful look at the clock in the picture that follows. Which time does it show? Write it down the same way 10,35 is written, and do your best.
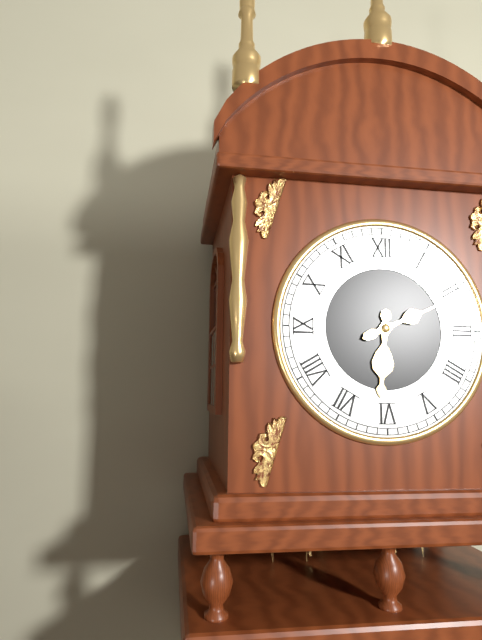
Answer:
6,11
